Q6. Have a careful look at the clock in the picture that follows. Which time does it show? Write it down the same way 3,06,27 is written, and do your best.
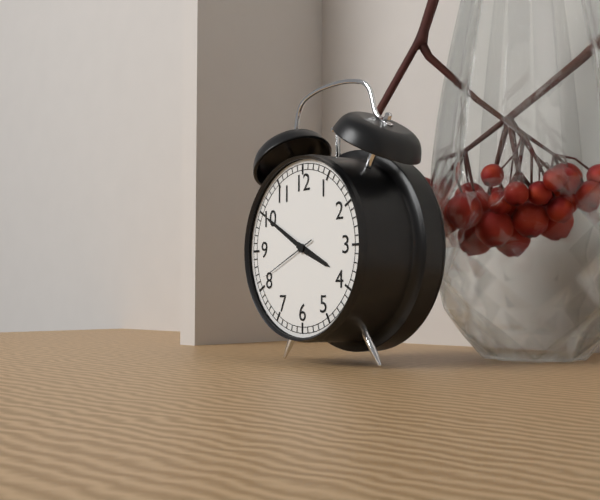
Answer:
3,50,41
